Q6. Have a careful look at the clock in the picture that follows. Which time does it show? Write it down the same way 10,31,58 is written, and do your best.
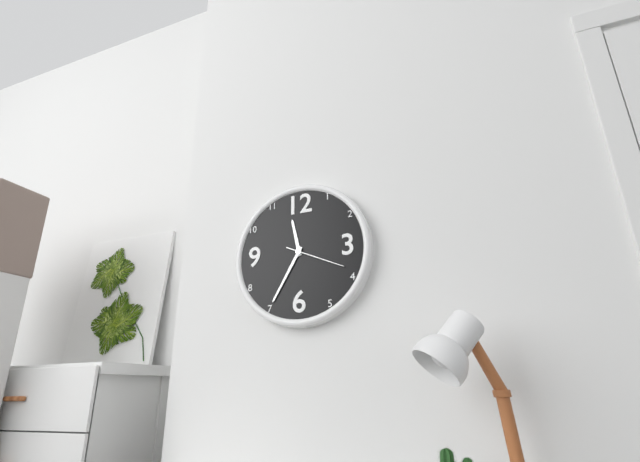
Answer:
11,35,19
